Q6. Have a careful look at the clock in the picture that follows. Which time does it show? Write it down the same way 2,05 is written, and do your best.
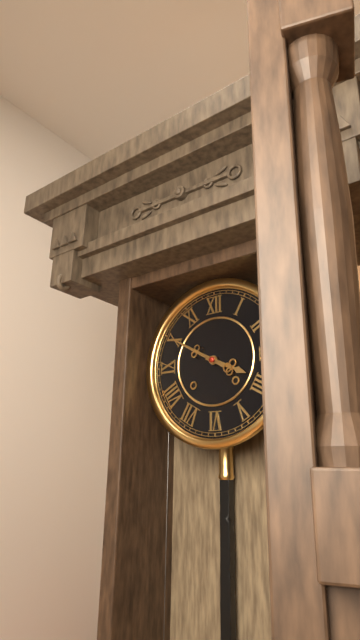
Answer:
3,50
